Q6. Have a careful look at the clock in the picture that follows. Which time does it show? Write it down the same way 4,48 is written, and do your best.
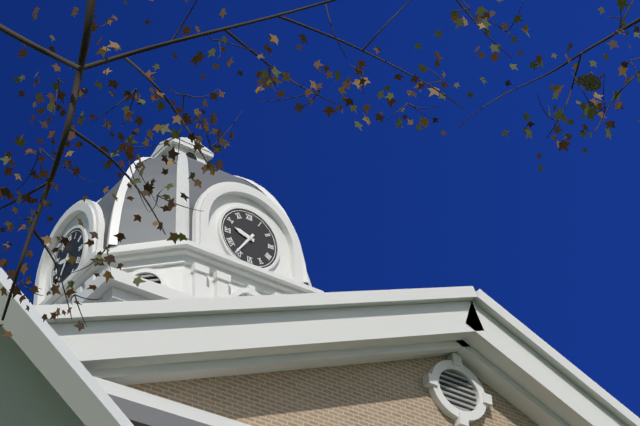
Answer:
9,36
